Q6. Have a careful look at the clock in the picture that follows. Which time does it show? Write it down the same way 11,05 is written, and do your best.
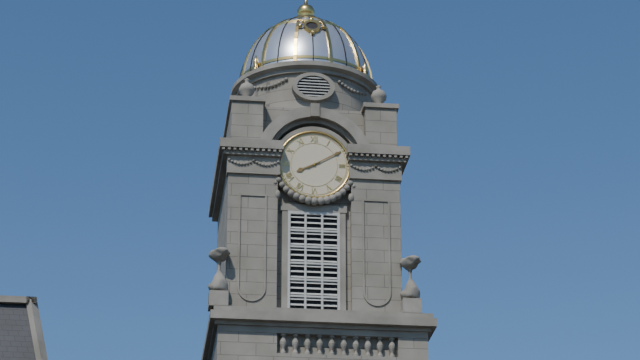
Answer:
8,10
